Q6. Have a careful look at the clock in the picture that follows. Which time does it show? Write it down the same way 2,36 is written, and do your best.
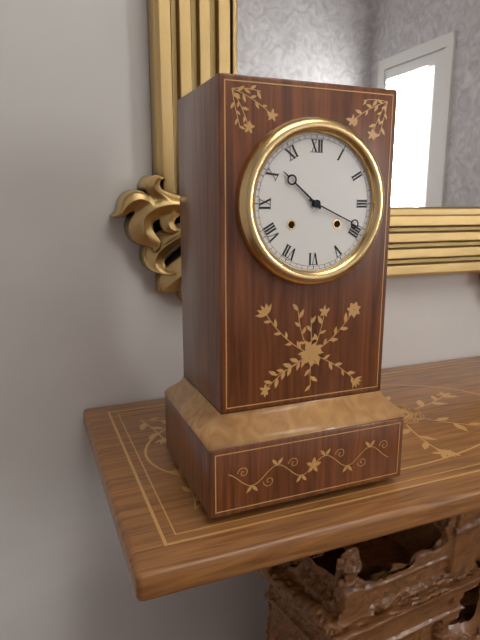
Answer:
10,19
